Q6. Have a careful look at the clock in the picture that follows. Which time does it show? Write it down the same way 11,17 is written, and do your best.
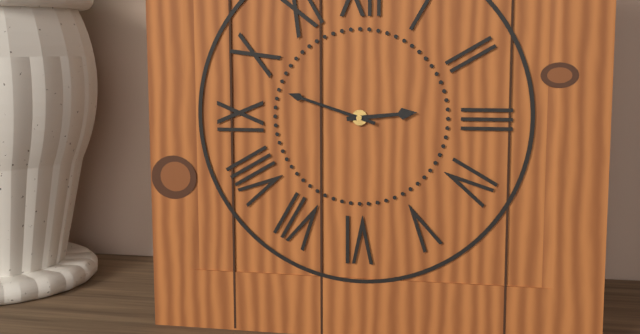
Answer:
2,48
